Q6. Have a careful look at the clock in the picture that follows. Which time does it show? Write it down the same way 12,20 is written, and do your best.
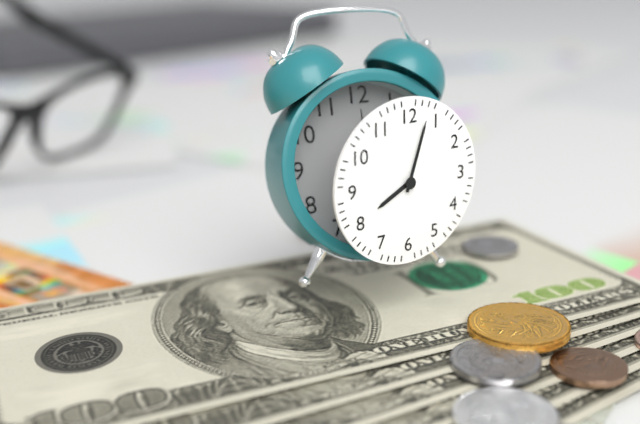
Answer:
8,03
